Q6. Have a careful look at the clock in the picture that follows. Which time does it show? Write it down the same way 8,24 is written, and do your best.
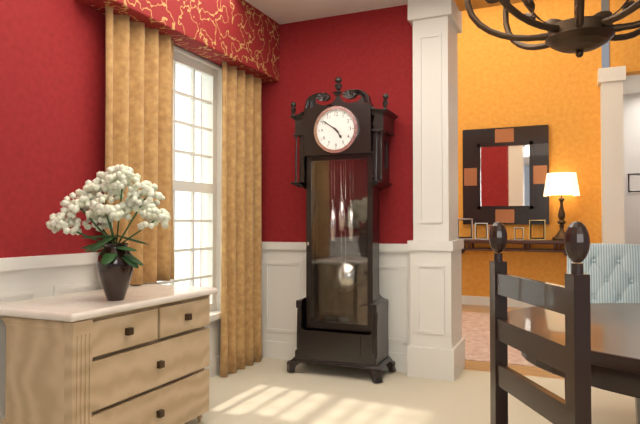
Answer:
4,51
